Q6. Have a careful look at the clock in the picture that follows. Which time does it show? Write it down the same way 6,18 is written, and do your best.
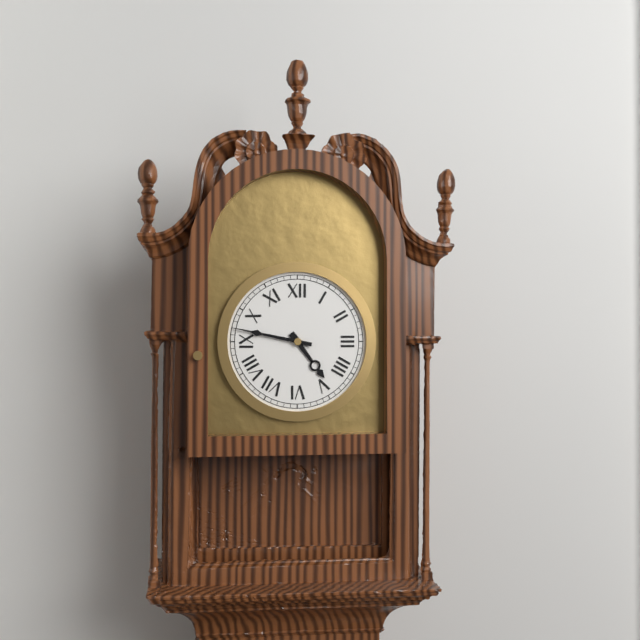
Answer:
4,47
